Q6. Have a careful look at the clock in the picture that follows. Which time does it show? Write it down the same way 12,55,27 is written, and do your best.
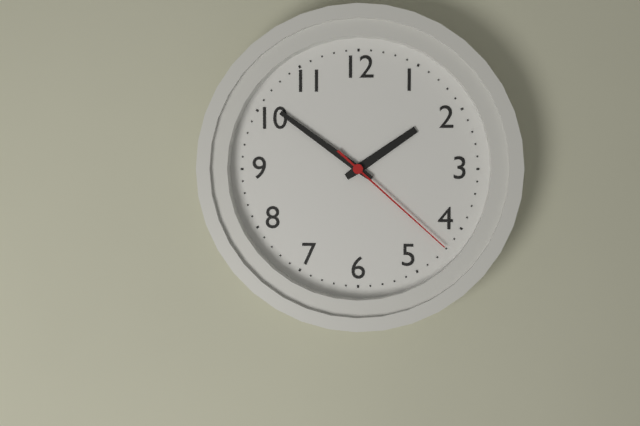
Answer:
1,51,22
